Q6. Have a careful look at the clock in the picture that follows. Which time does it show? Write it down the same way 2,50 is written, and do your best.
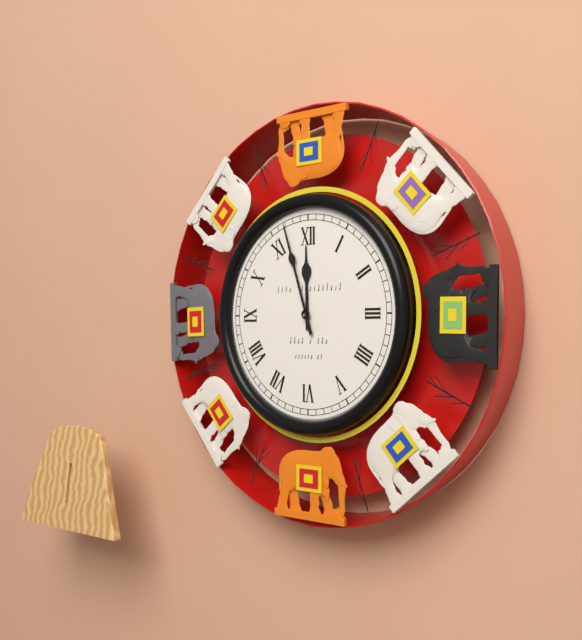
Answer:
11,57
